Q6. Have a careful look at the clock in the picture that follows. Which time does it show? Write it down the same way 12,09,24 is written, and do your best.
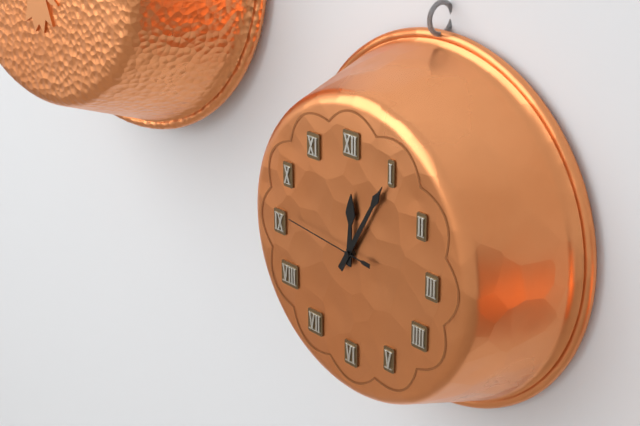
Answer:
12,05,46
